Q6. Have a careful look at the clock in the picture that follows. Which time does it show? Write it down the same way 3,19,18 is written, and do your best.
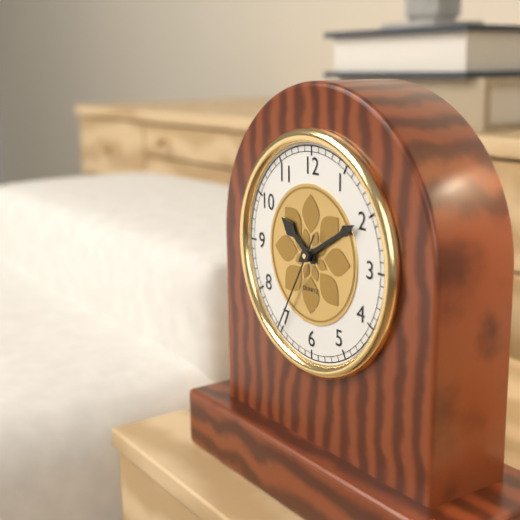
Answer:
10,10,35
